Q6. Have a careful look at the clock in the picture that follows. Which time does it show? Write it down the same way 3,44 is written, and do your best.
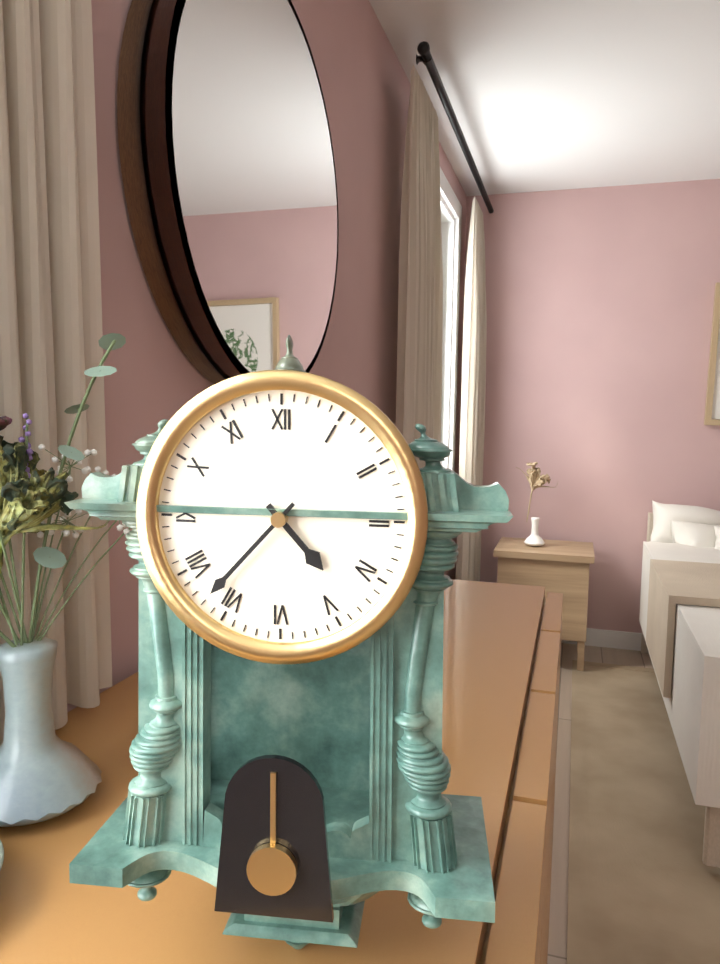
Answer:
4,37
